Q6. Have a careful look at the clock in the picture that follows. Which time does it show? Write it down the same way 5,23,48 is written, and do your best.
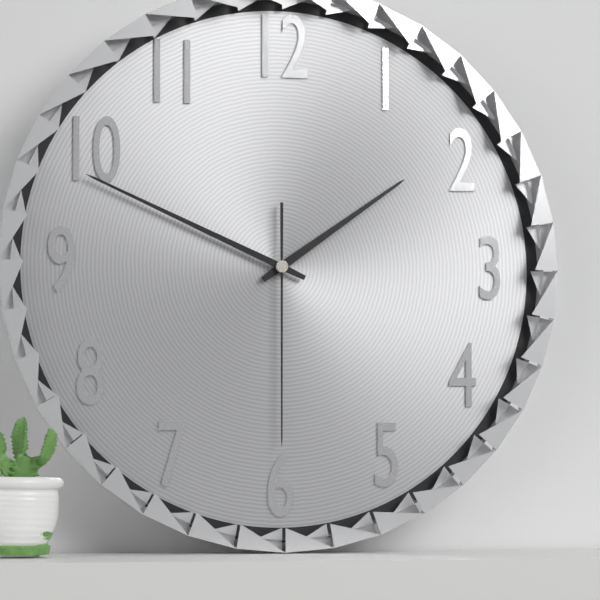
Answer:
1,49,30
